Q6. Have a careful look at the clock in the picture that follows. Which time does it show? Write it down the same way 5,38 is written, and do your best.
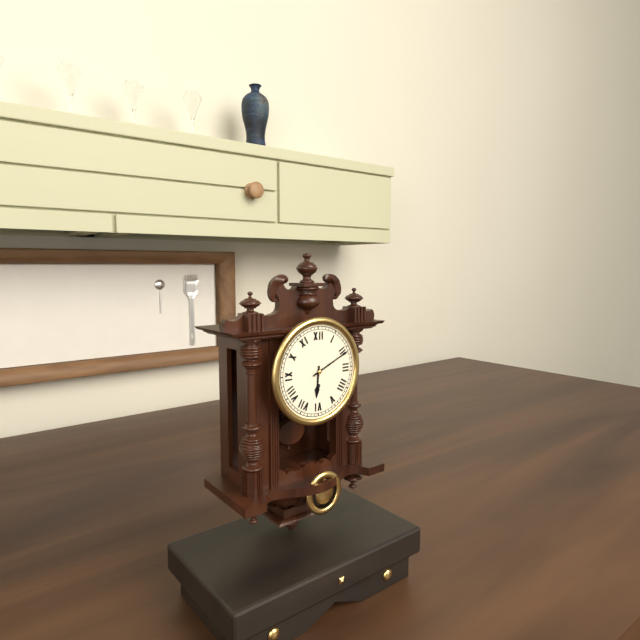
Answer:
6,11
